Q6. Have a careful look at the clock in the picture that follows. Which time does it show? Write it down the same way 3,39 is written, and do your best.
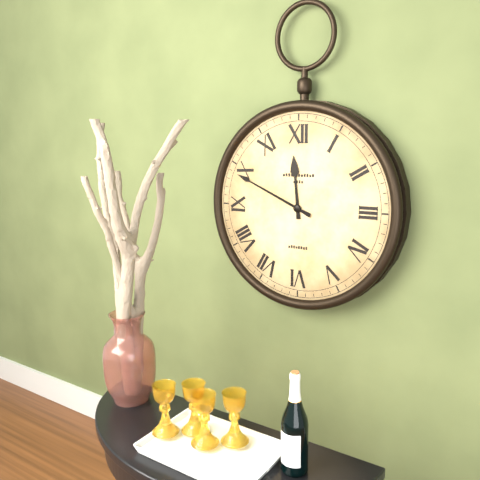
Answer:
11,49
